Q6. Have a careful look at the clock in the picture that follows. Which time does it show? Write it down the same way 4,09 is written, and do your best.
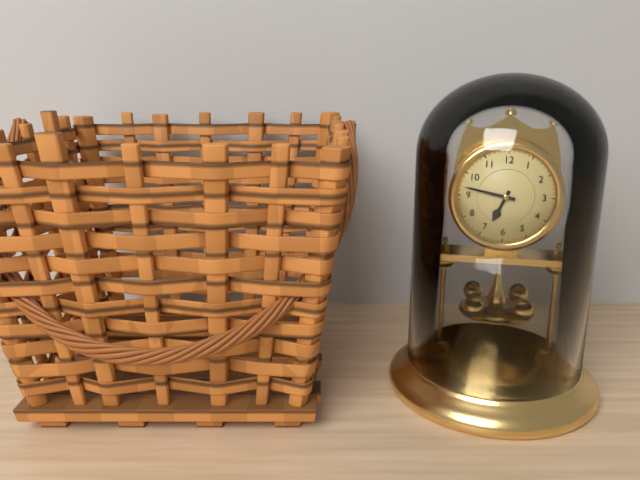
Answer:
6,47
